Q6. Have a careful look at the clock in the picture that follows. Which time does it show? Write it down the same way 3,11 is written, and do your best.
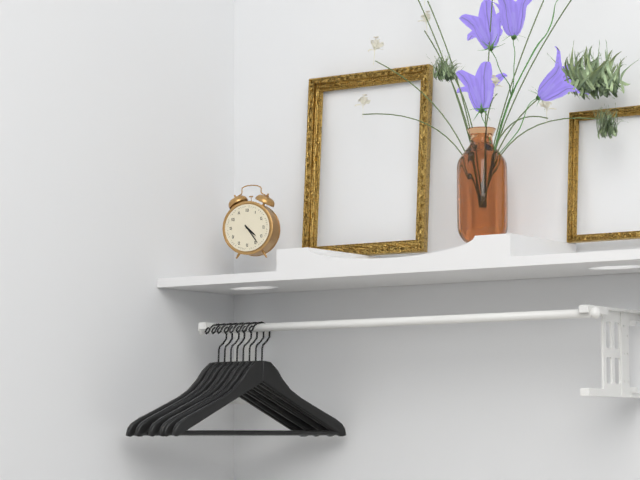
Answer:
4,24
